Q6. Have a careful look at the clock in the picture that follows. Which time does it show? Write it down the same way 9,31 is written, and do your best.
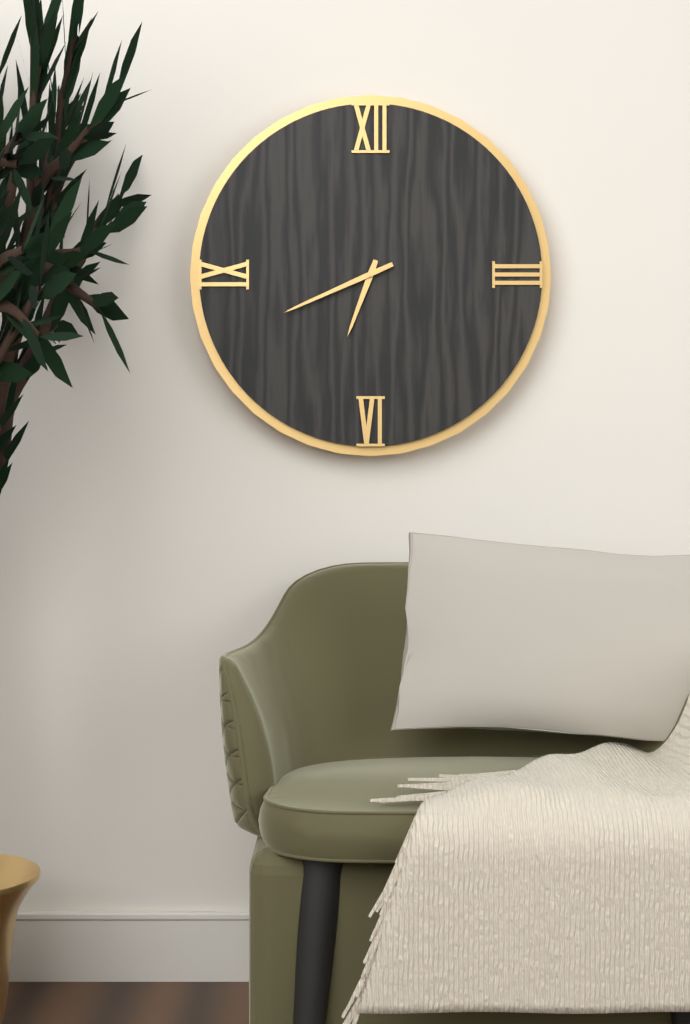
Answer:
6,41
